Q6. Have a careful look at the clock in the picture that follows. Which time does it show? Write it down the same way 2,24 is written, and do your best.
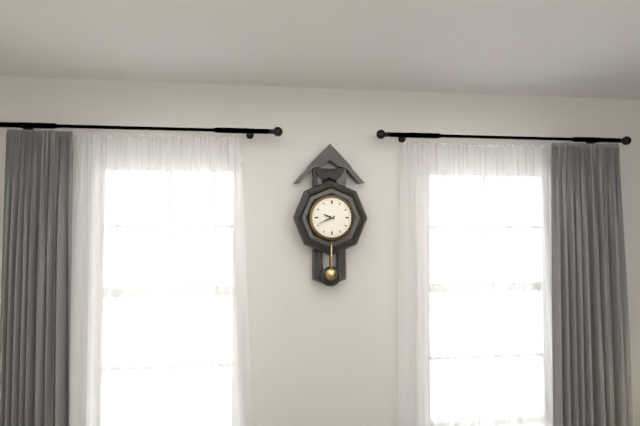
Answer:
9,41
